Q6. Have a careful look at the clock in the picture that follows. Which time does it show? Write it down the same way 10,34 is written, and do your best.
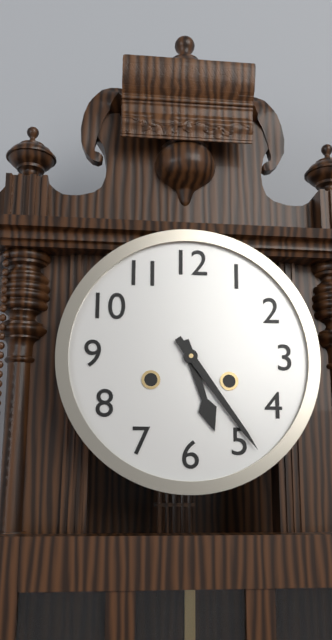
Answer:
5,24
